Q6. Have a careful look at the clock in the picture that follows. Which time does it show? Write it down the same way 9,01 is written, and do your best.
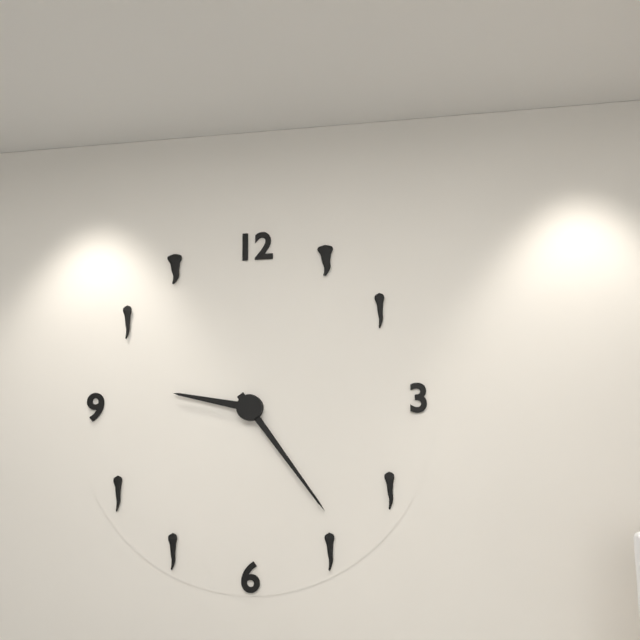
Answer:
9,24
